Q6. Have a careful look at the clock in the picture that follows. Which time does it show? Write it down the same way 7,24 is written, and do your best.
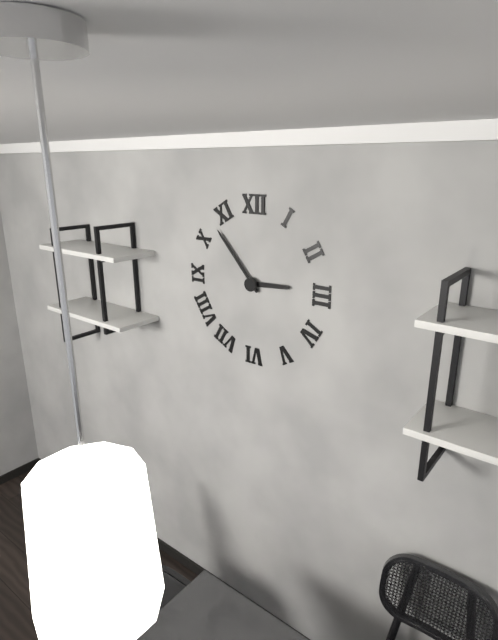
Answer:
2,53
